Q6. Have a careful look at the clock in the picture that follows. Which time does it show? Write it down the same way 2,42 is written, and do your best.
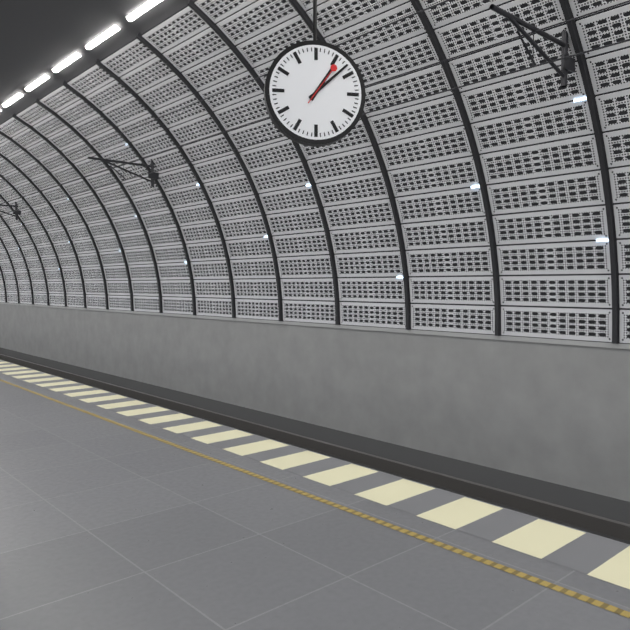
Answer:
1,08
